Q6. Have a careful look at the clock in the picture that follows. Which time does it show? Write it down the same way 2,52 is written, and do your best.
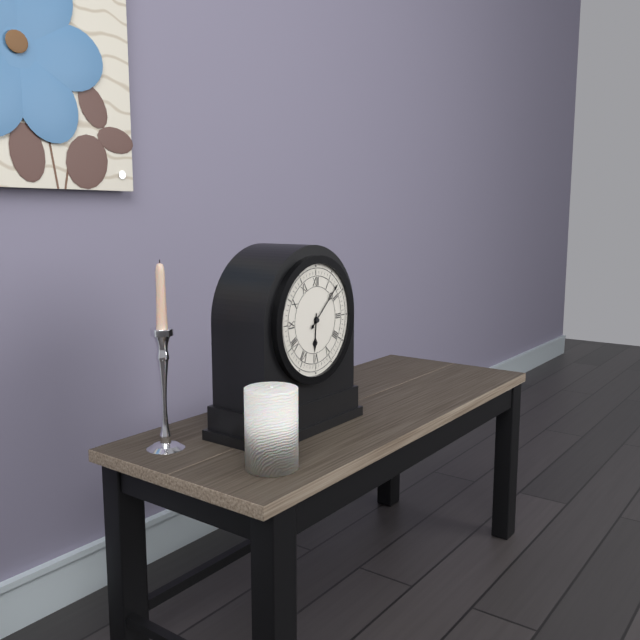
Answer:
6,08
